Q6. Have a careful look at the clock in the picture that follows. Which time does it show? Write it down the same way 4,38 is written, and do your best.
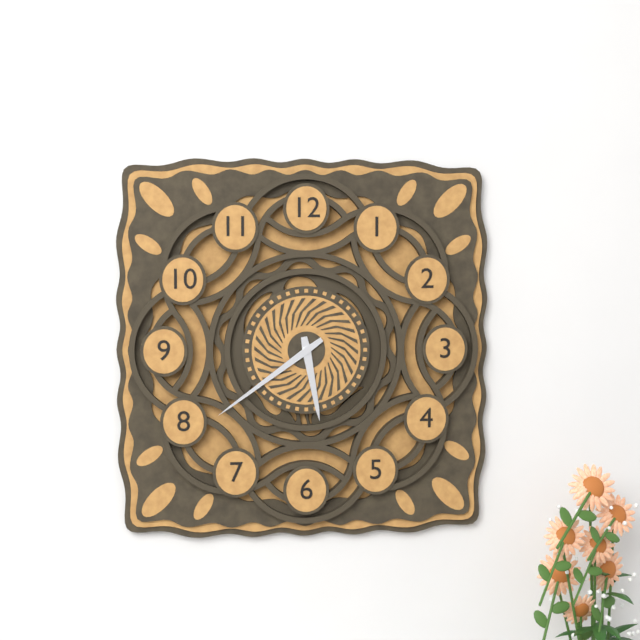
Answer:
5,39
